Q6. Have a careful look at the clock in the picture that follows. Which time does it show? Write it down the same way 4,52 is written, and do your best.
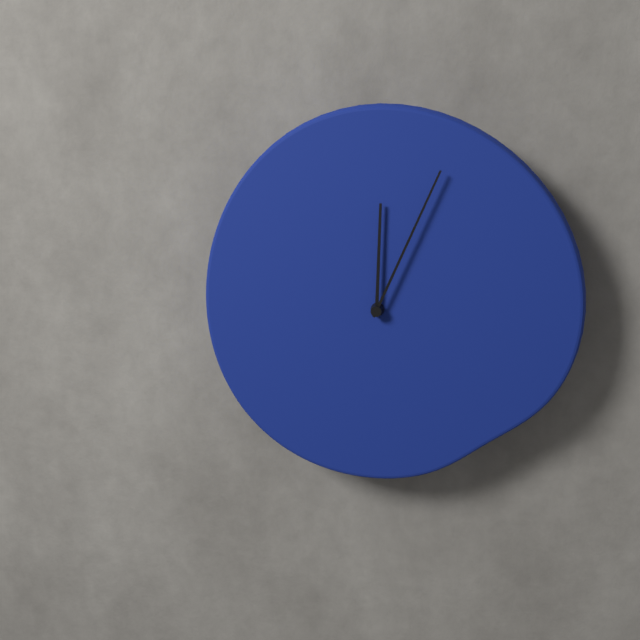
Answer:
12,04
